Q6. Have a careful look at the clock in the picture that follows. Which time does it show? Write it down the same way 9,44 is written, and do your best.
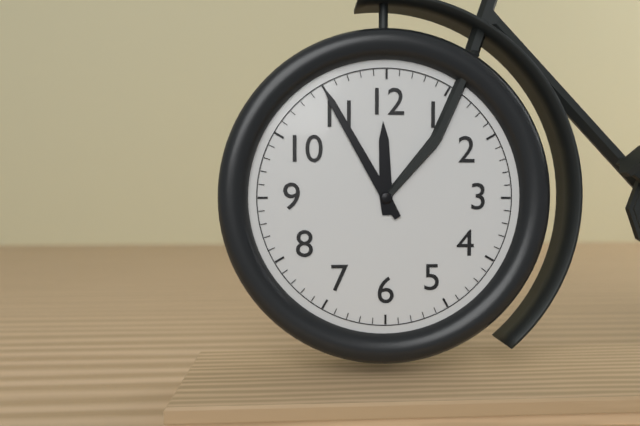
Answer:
11,55
